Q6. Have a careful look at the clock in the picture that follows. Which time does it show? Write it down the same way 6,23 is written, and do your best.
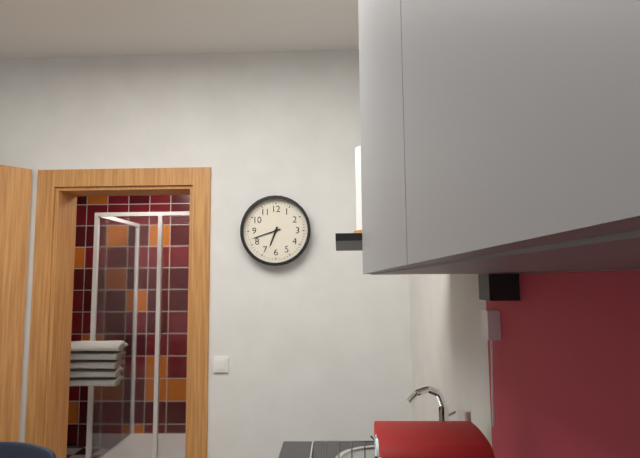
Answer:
6,42
